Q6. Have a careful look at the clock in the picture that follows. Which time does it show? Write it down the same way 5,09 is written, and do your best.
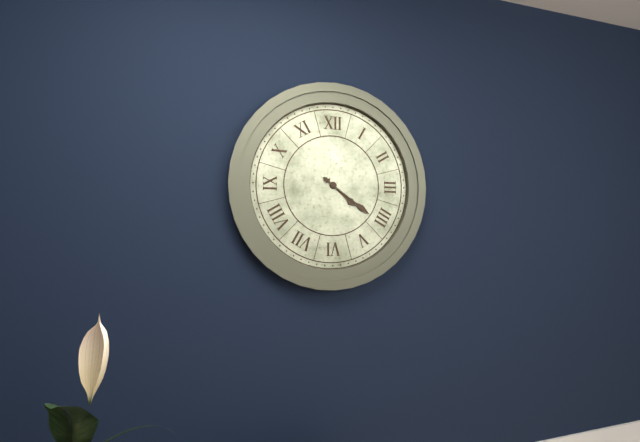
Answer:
4,21
